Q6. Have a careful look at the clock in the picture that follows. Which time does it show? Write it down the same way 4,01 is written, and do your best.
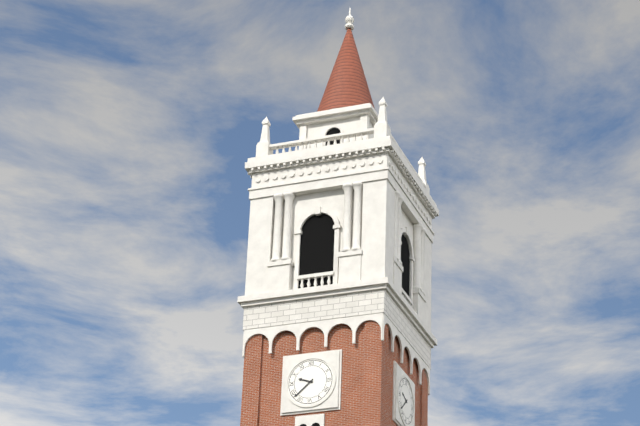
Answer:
9,38
